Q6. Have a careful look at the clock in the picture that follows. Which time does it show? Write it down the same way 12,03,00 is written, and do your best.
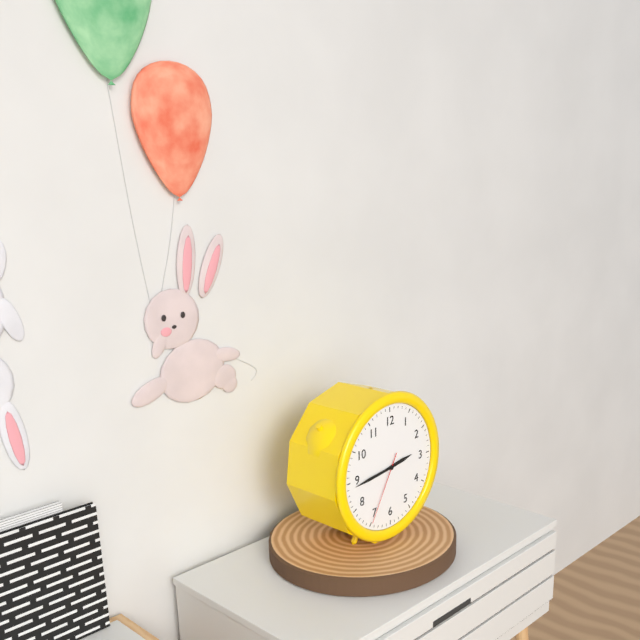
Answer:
2,44,35
